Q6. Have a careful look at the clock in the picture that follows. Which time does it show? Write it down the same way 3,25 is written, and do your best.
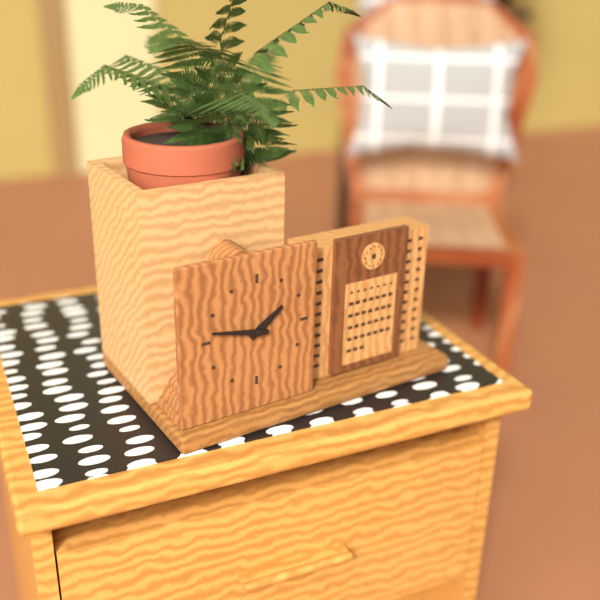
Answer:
1,47
